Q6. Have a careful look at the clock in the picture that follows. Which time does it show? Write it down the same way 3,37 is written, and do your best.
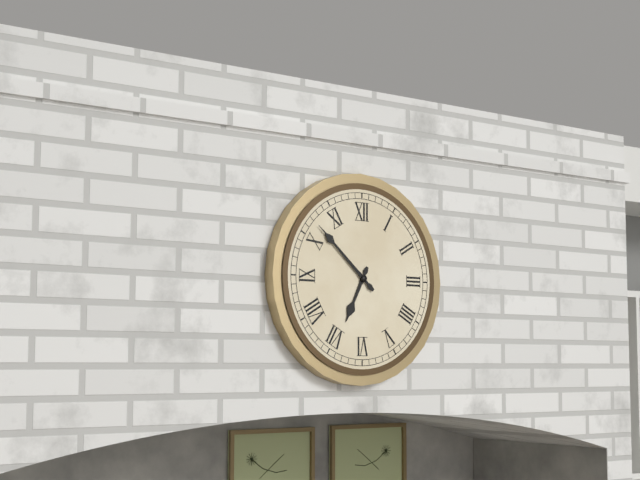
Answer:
6,52
